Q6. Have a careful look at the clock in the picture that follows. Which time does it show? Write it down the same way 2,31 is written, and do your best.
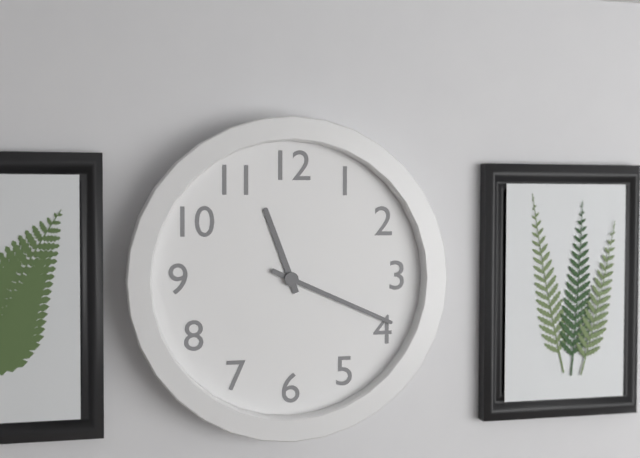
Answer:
11,19
